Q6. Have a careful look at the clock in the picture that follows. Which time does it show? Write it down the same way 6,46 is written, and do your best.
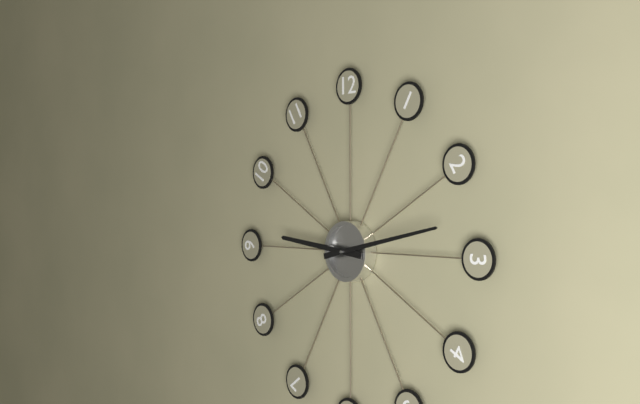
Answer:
9,13
